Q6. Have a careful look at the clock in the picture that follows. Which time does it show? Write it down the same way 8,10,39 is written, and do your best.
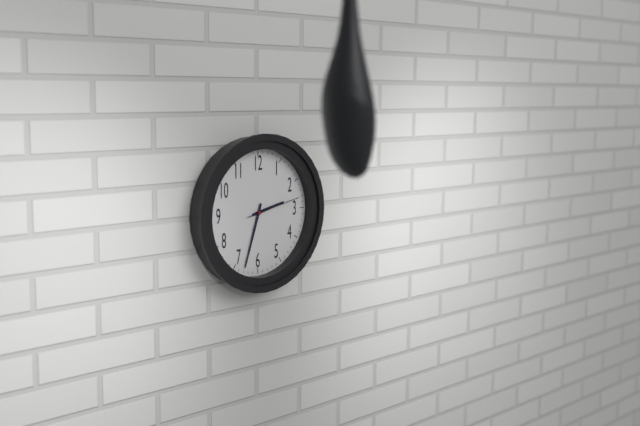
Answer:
2,33,13
